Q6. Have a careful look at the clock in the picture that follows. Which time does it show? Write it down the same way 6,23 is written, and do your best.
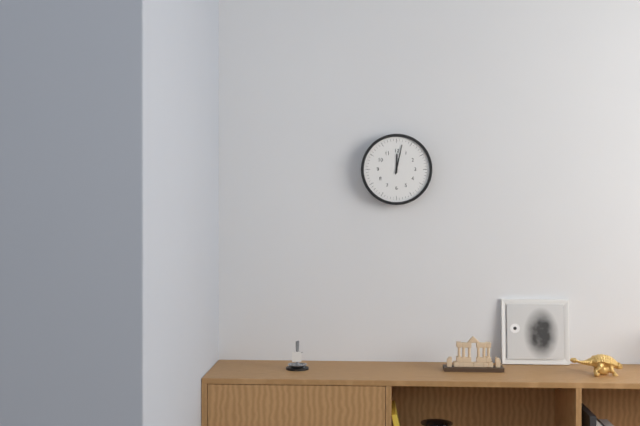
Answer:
12,02
